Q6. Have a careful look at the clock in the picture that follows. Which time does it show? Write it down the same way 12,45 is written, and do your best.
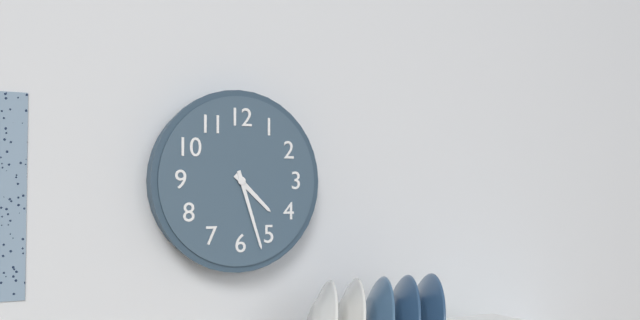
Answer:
4,27
